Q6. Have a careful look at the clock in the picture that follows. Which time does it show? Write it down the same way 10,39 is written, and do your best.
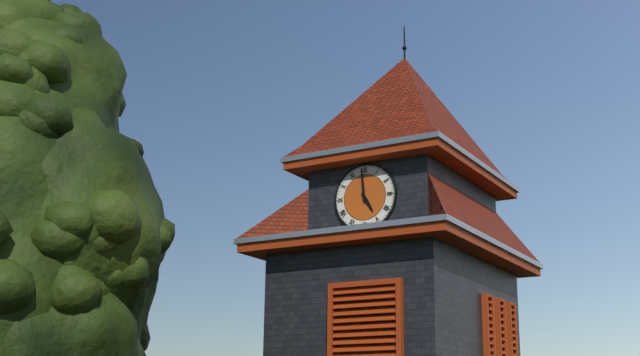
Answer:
4,59
